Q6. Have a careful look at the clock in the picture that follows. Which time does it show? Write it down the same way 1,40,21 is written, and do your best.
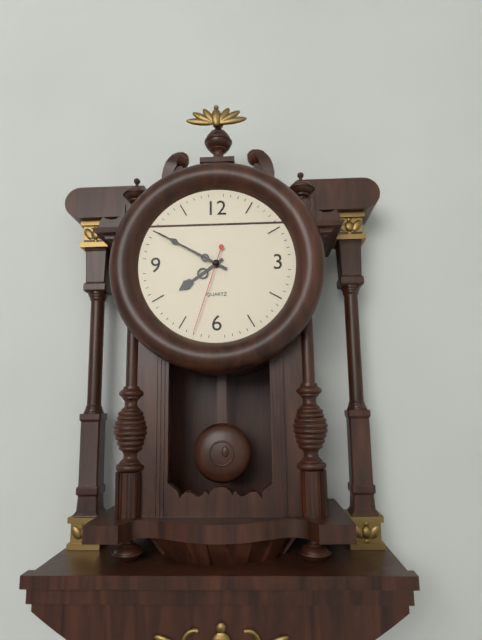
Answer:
7,50,33
